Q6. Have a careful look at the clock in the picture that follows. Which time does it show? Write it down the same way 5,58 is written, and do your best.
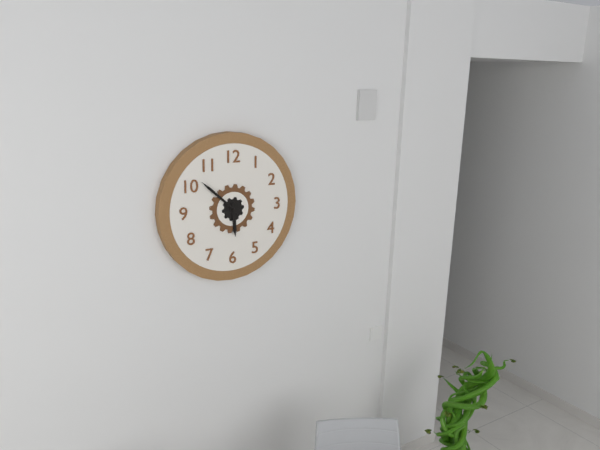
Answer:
5,52
